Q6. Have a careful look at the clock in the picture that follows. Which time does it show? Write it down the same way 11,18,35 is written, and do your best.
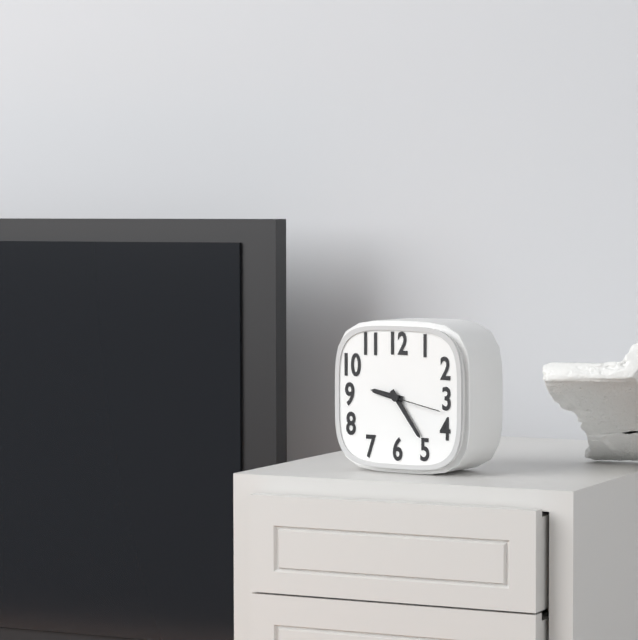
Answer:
9,24,17
